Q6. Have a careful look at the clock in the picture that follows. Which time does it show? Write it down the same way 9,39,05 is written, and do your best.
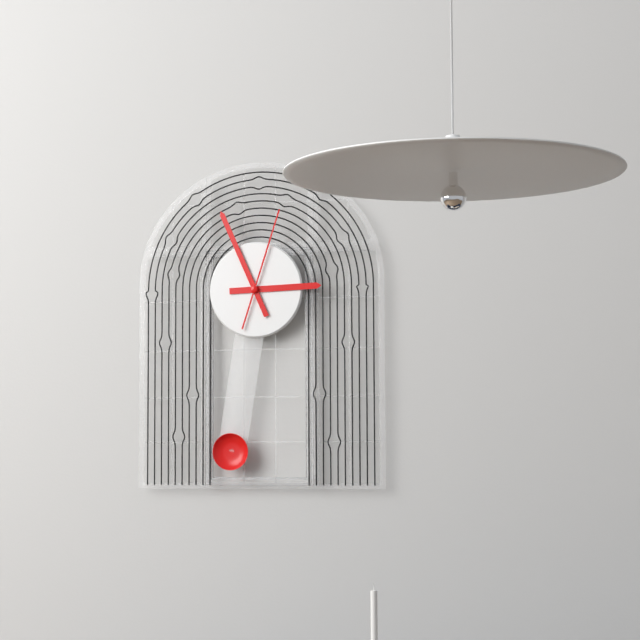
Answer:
2,56,03
